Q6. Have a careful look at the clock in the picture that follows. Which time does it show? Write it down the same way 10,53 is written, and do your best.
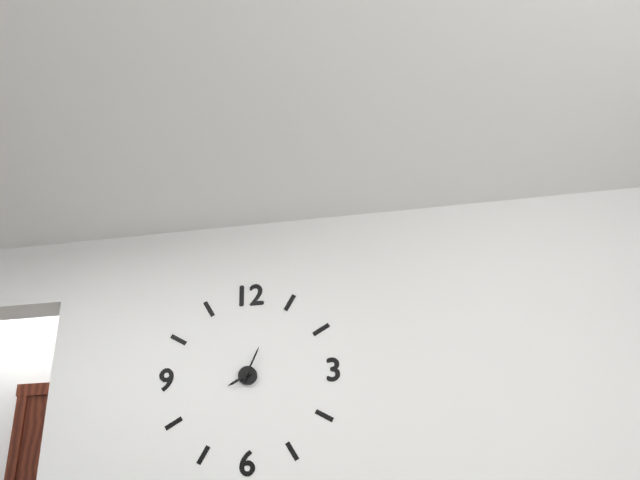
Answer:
8,04
